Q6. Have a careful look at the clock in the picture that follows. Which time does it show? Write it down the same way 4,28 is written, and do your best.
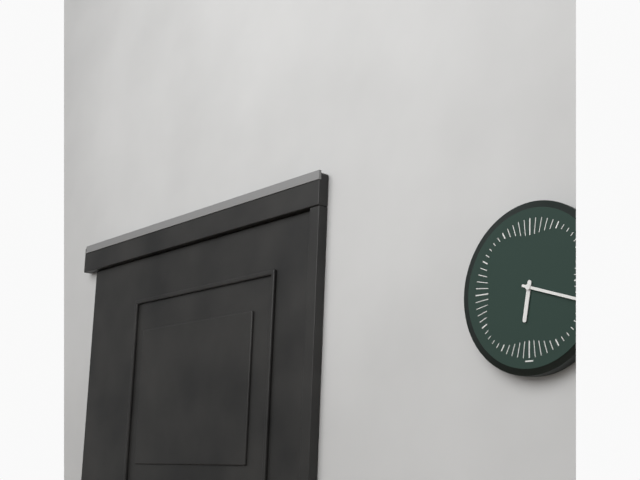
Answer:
6,18
